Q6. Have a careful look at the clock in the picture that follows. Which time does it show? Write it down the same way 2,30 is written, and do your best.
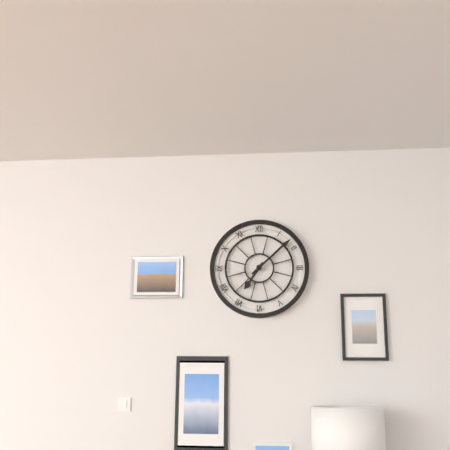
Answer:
7,08
